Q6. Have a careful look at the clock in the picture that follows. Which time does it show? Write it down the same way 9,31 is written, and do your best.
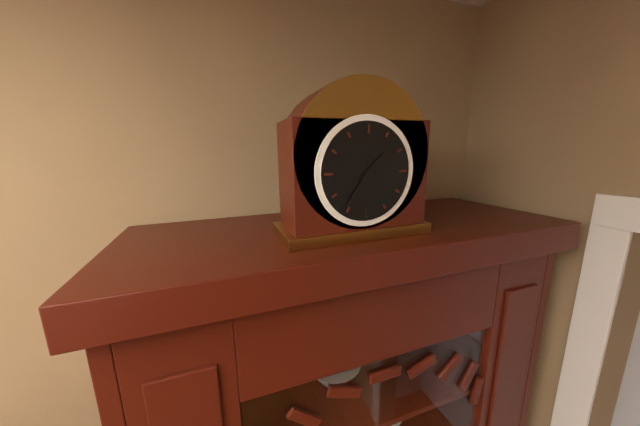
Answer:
1,36
